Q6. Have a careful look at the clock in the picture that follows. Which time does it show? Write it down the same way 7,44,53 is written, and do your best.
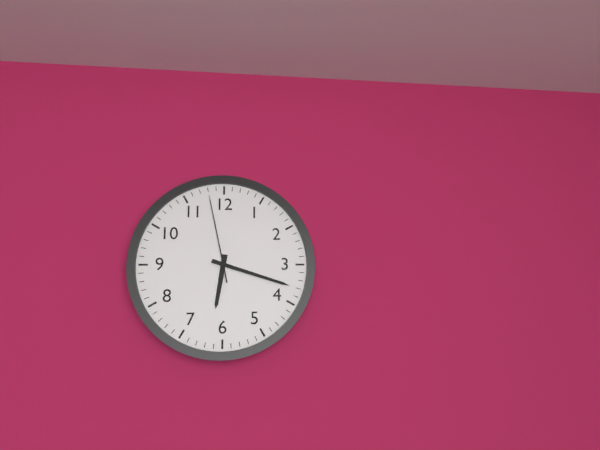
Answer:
6,18,58
